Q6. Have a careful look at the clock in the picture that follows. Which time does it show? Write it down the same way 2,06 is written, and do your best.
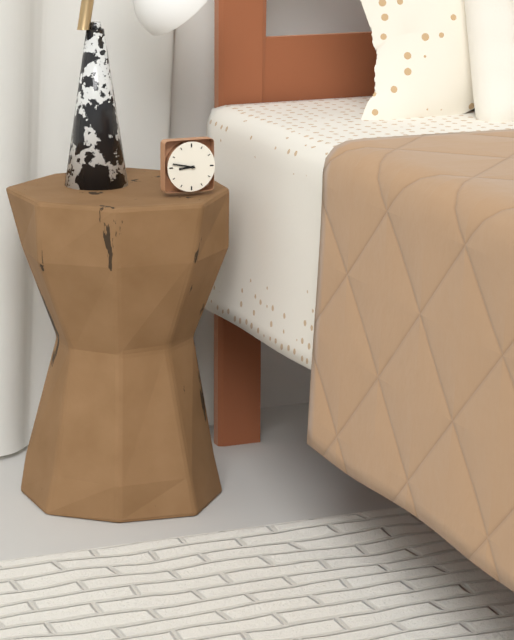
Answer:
8,47
